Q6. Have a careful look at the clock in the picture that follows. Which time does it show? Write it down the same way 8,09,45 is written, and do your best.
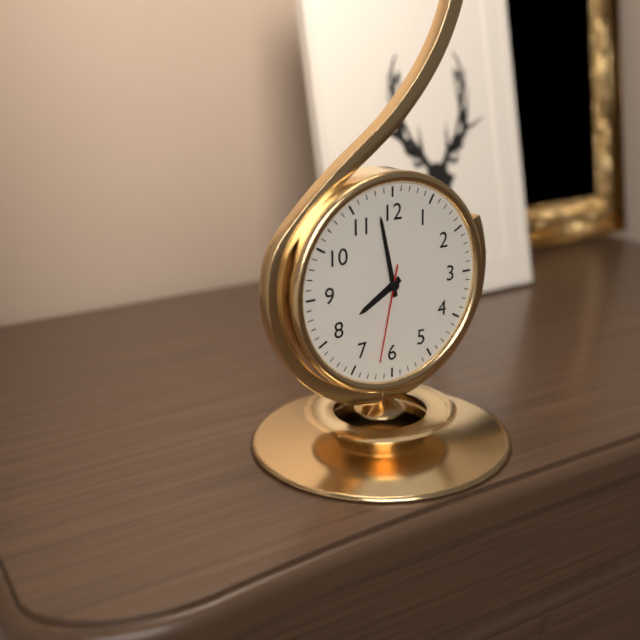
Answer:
7,58,32
